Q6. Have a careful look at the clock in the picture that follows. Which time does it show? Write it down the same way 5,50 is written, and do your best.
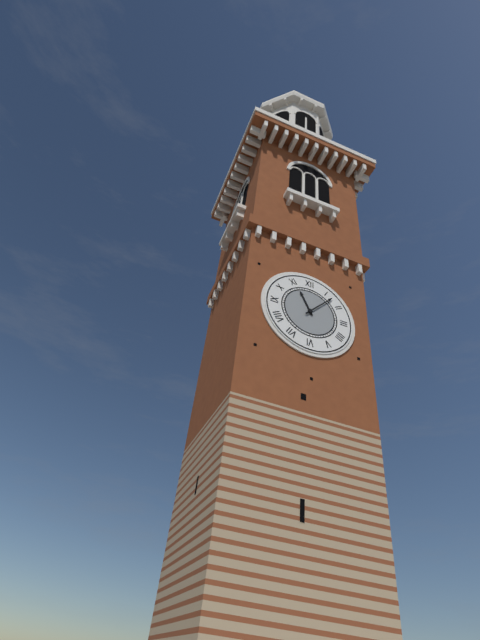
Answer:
11,07
